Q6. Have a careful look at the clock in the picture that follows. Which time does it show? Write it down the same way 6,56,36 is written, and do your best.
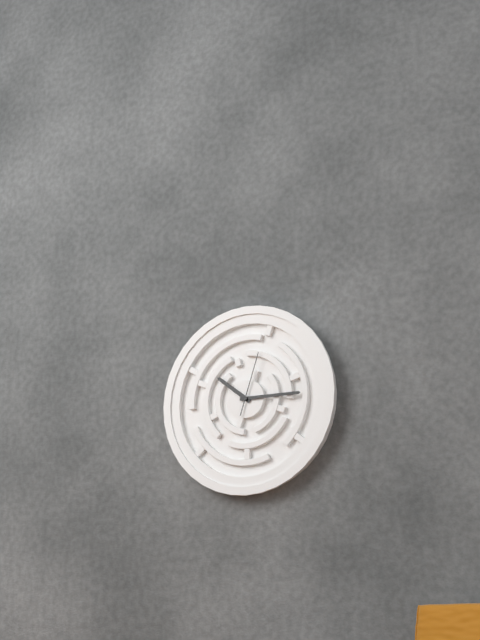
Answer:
10,15,03
